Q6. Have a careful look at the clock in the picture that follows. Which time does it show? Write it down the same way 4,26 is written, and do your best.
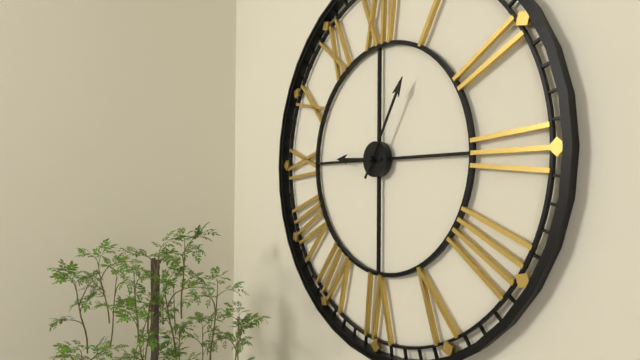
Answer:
9,05
